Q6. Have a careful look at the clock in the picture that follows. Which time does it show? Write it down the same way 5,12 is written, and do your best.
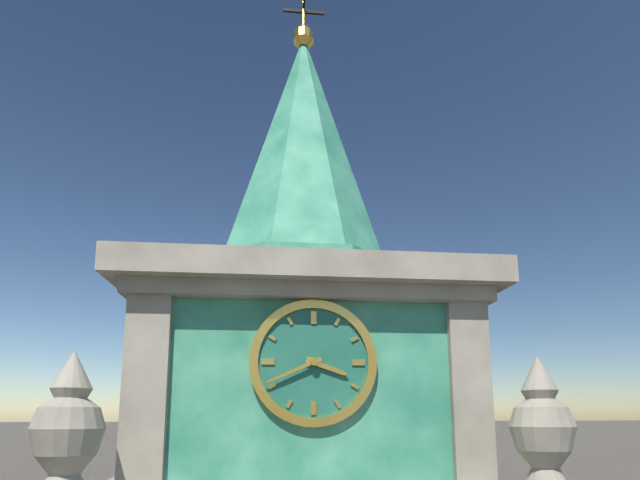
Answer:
3,41
